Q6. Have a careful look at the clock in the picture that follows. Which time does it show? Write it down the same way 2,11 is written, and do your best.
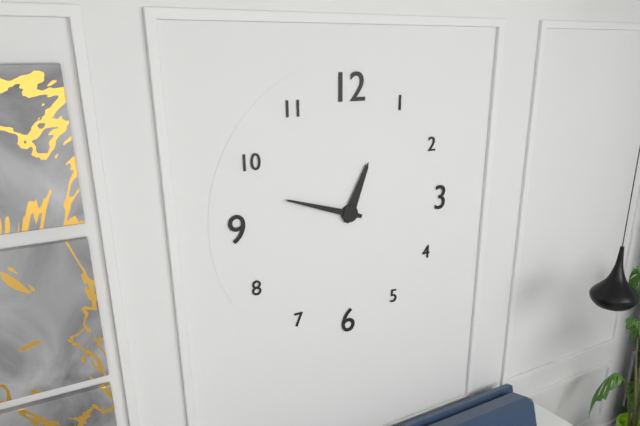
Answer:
12,48
